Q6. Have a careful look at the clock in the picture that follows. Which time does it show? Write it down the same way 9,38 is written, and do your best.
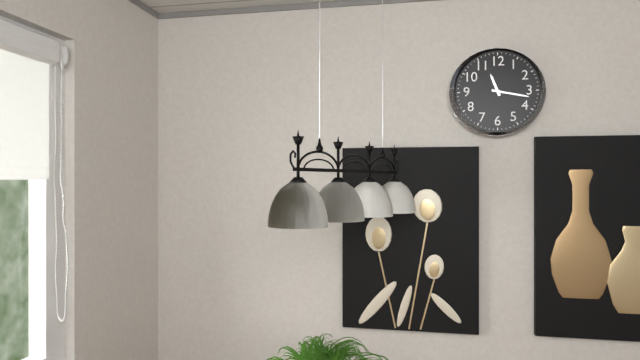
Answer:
11,17
